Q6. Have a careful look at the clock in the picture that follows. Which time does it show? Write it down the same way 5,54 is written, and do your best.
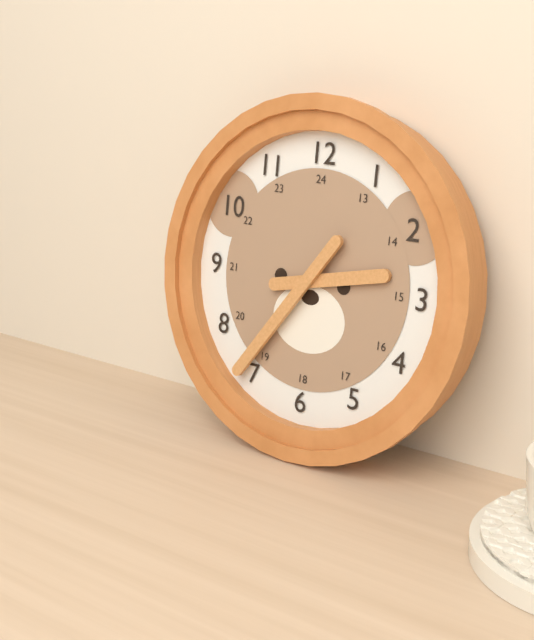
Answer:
2,36
